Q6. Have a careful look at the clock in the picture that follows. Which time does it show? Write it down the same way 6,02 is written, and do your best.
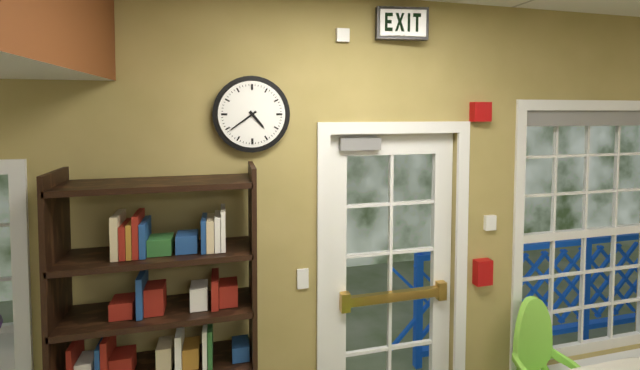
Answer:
4,39
